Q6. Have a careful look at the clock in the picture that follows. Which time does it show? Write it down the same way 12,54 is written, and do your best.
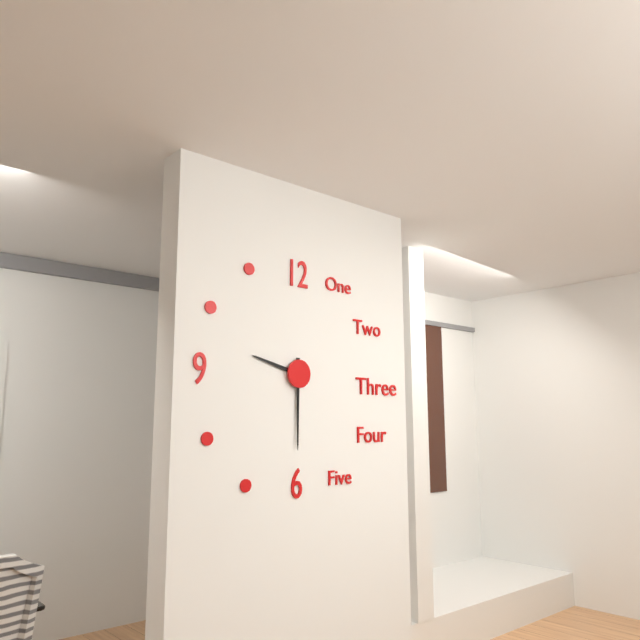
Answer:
9,30
